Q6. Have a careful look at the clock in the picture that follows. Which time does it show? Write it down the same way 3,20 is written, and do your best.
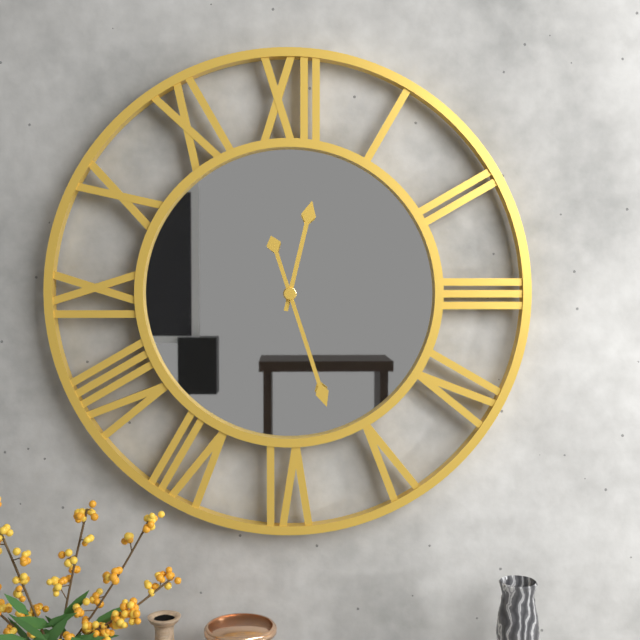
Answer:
12,27
